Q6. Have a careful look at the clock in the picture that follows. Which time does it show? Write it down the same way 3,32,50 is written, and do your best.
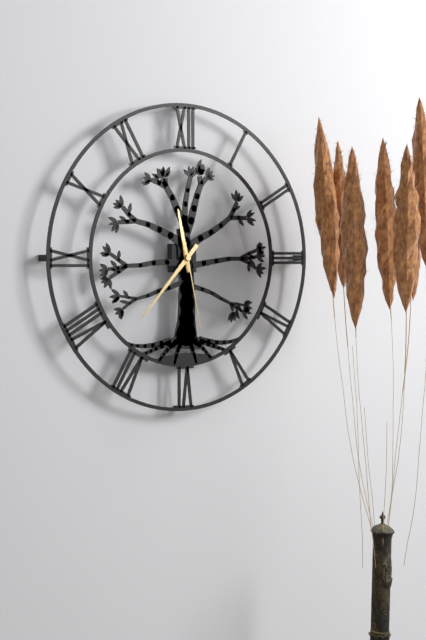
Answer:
11,37,28
